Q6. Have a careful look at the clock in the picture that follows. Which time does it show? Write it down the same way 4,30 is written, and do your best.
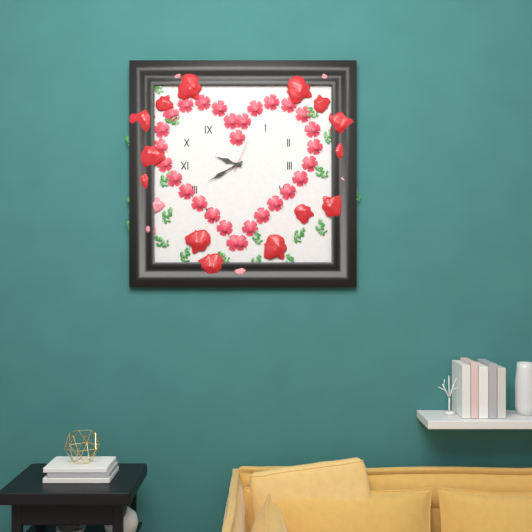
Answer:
9,40
